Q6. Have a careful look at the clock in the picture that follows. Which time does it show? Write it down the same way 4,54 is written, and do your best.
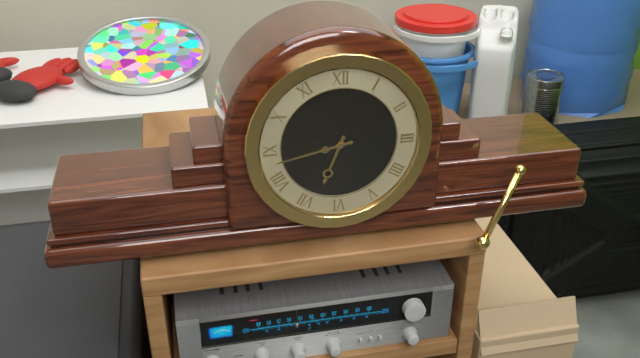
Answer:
6,43
